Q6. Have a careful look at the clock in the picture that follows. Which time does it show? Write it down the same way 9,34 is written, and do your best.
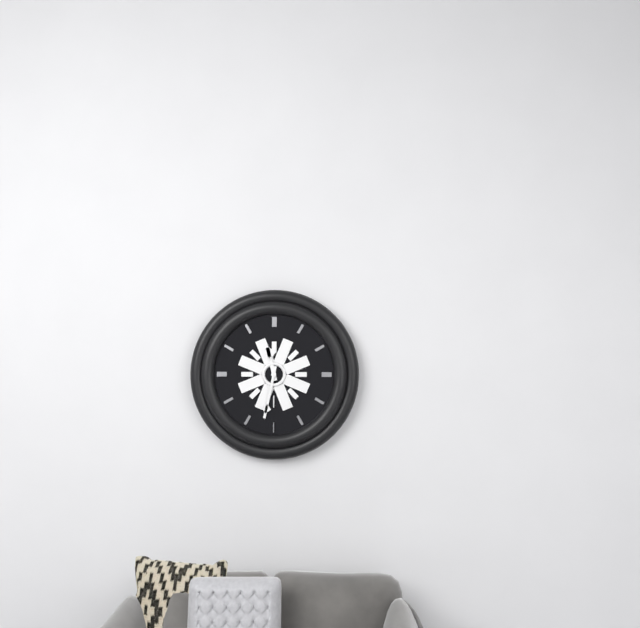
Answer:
11,32
